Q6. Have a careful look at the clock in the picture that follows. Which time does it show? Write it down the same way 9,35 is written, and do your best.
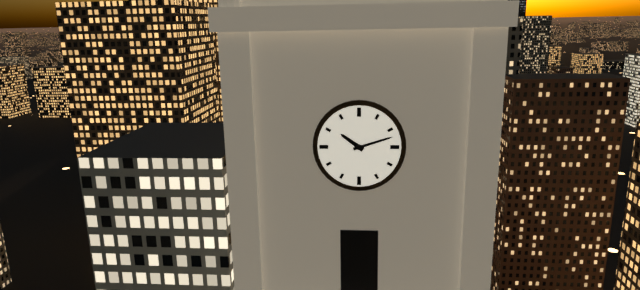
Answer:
10,12
